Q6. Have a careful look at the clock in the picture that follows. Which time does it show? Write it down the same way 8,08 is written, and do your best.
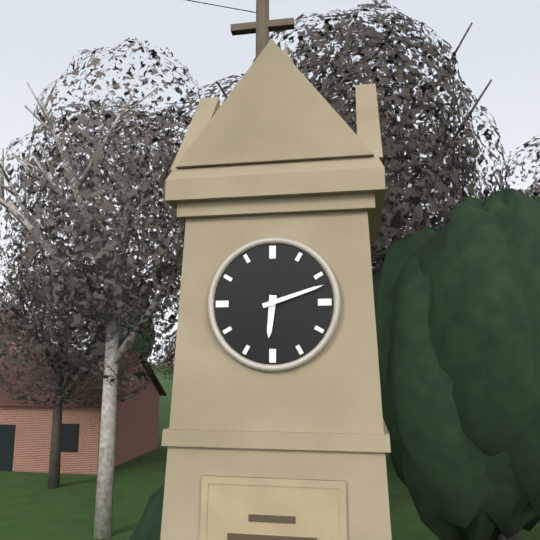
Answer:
6,12
